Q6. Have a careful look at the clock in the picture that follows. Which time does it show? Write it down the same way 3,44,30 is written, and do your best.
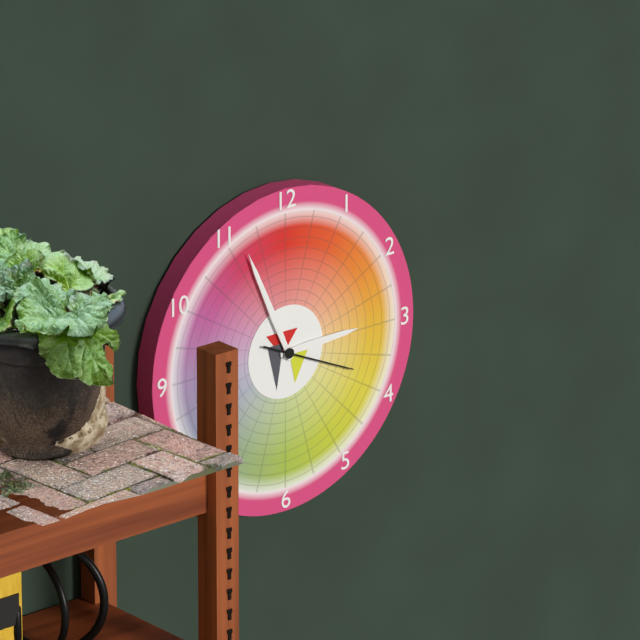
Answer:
2,56,19
